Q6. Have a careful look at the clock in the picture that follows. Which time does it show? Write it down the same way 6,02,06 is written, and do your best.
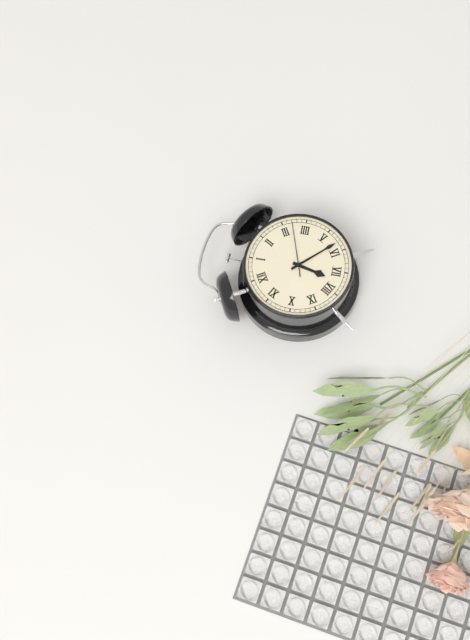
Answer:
7,28,17
